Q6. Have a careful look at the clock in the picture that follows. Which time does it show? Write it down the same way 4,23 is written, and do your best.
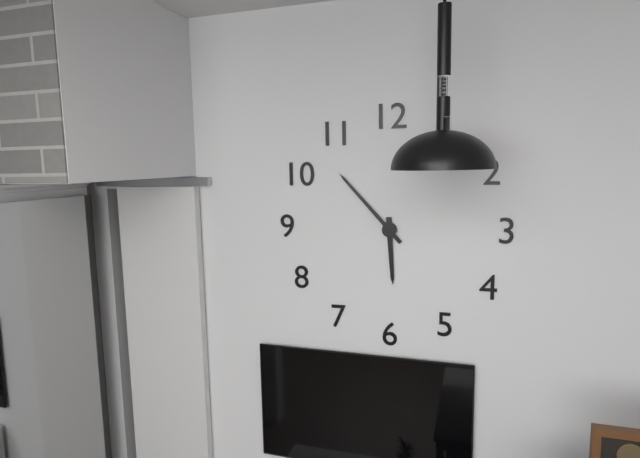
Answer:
5,53
